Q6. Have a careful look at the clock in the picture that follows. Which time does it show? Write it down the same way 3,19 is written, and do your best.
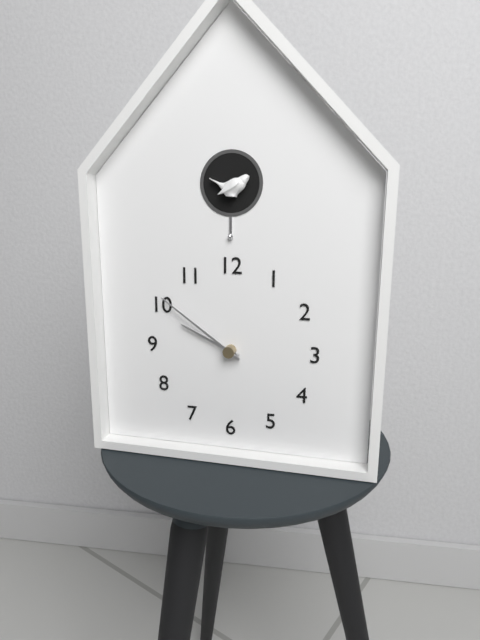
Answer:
9,51
